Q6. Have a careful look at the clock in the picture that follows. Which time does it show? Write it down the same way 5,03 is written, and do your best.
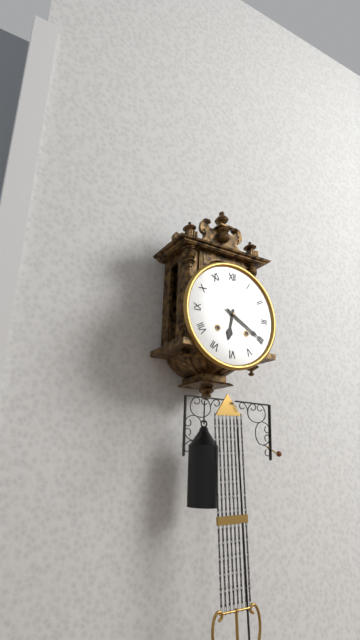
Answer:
6,20
